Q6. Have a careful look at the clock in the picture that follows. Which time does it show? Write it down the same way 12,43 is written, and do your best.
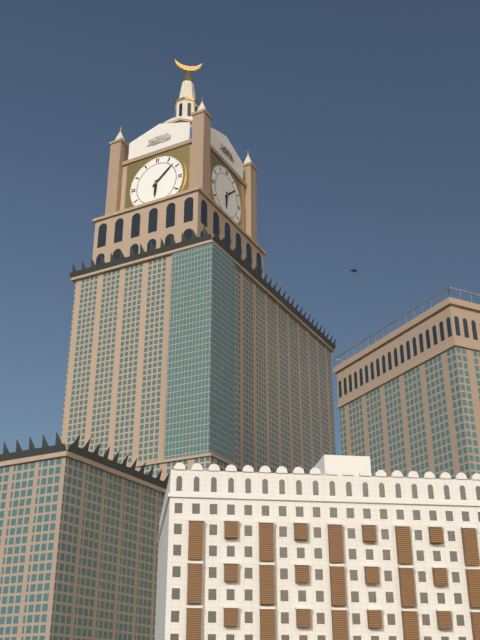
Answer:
6,08
